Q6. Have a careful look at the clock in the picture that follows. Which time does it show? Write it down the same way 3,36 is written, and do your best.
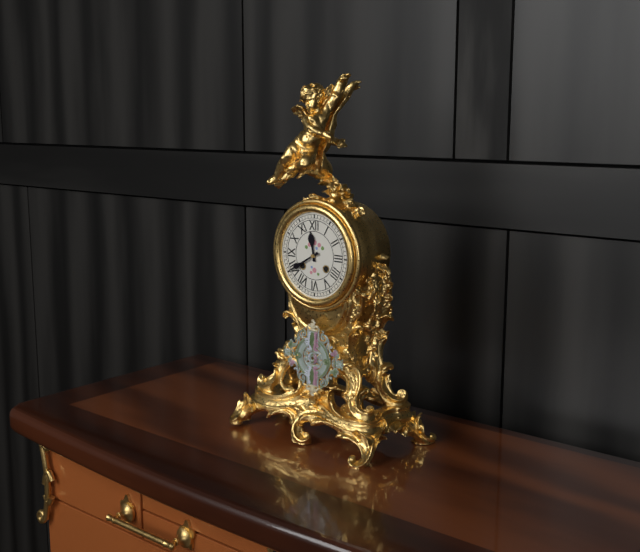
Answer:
11,40
